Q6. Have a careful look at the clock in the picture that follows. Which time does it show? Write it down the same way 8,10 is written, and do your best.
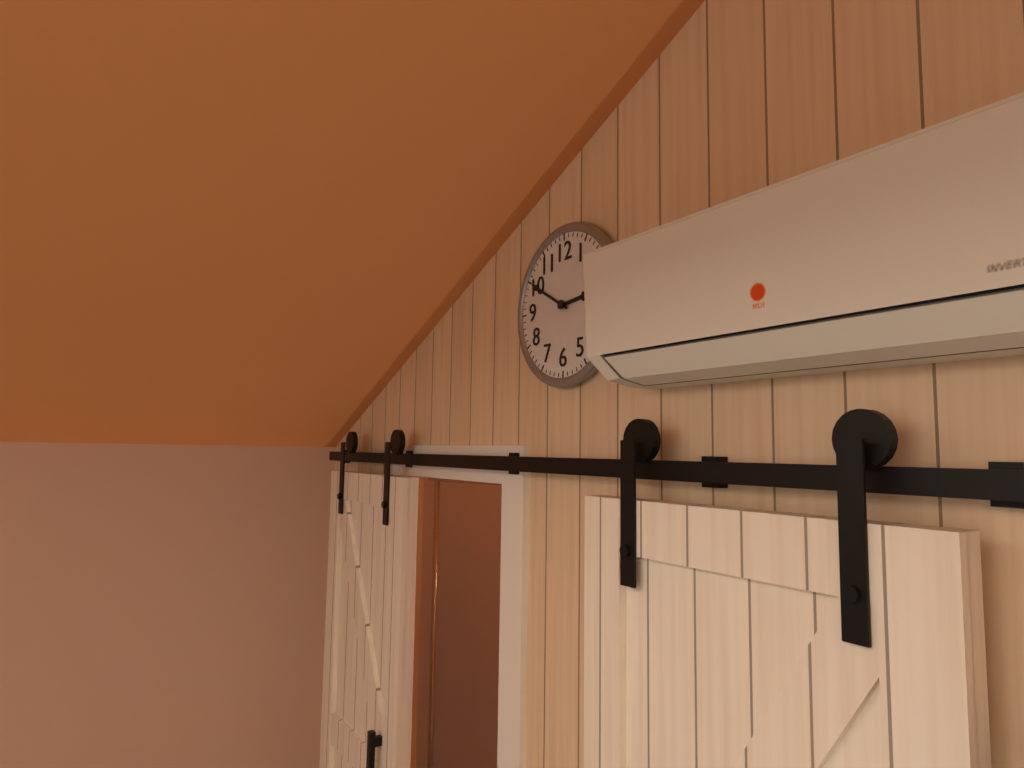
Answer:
2,50
